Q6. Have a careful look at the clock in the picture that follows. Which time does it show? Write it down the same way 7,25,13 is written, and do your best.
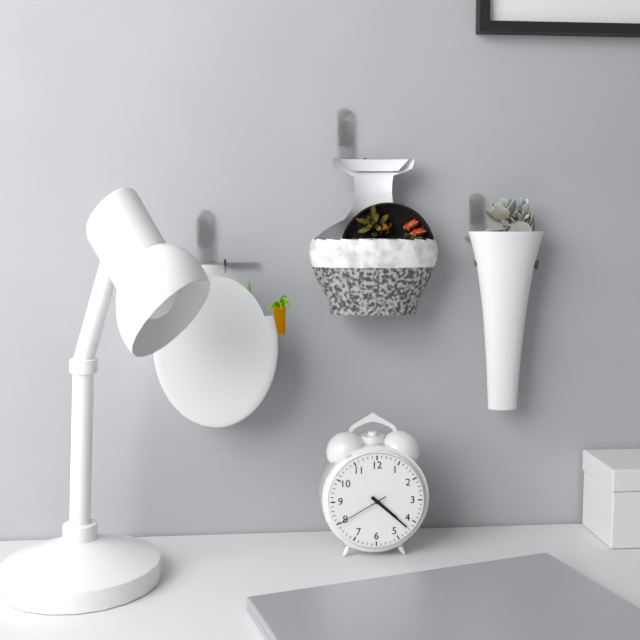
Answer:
4,22,40
